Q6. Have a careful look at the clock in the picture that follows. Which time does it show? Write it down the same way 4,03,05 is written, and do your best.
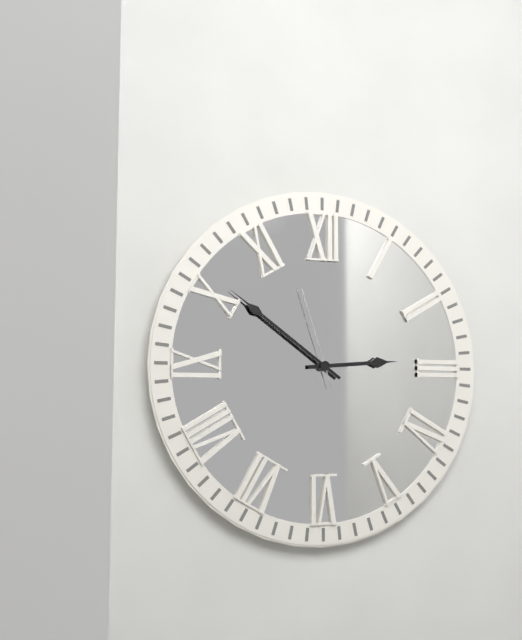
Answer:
2,51,57
